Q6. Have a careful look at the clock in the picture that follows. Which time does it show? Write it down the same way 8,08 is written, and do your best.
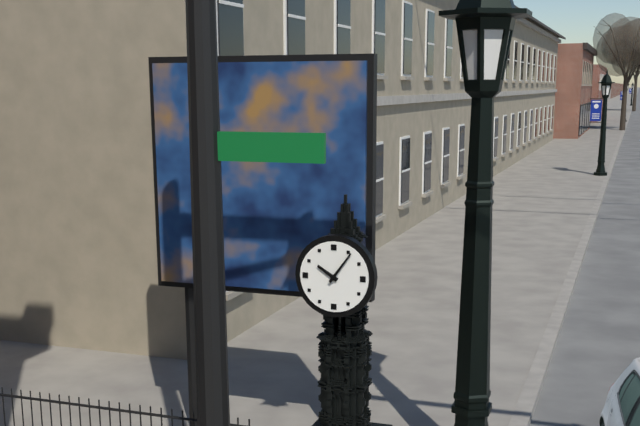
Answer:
10,06
